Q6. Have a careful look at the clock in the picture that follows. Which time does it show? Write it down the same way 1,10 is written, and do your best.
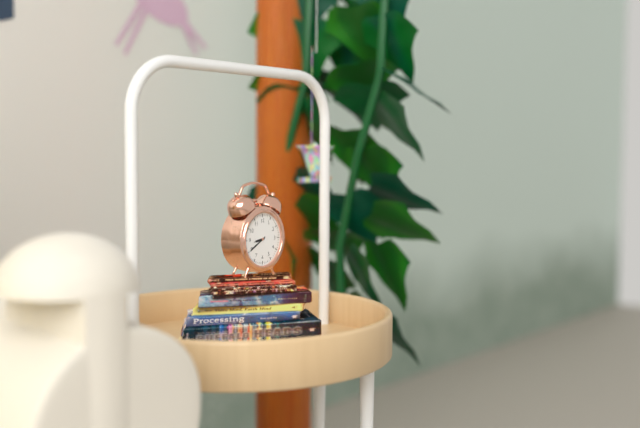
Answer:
8,40
